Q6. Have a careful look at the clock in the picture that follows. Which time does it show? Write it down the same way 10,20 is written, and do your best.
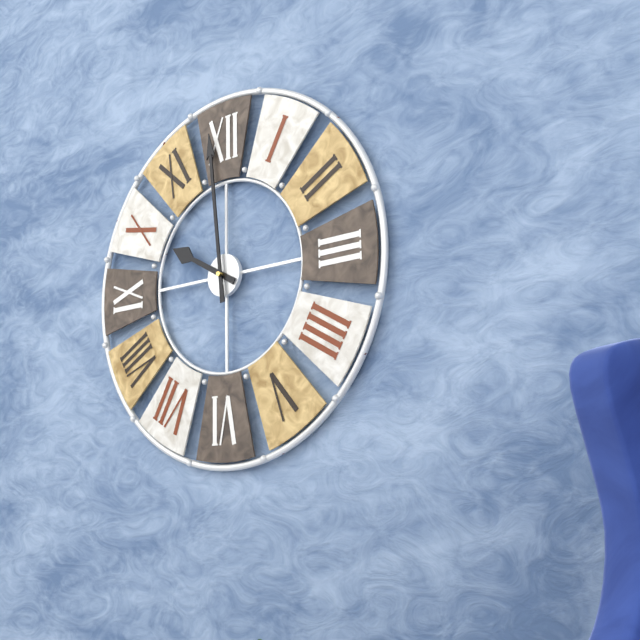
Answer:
9,59
